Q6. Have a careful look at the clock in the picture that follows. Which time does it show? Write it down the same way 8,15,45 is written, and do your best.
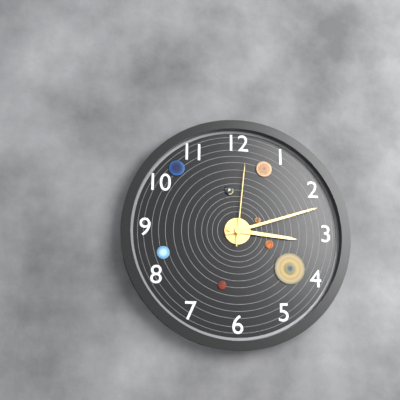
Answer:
3,12,01
